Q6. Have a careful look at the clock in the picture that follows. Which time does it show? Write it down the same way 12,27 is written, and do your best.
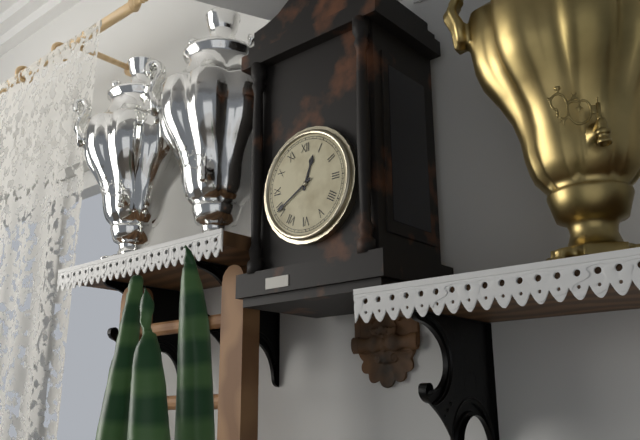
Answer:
12,40
